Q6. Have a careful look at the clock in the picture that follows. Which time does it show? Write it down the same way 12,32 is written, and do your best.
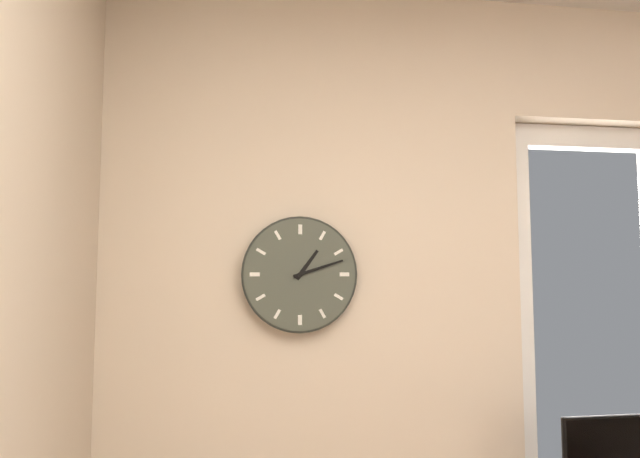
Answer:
1,12
